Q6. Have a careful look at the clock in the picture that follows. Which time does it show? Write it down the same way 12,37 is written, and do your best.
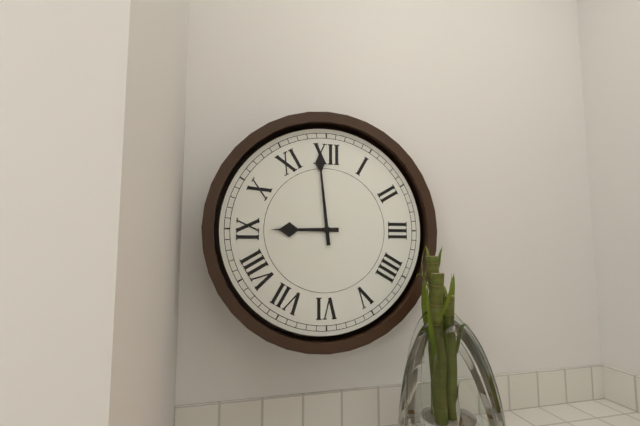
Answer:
8,59
